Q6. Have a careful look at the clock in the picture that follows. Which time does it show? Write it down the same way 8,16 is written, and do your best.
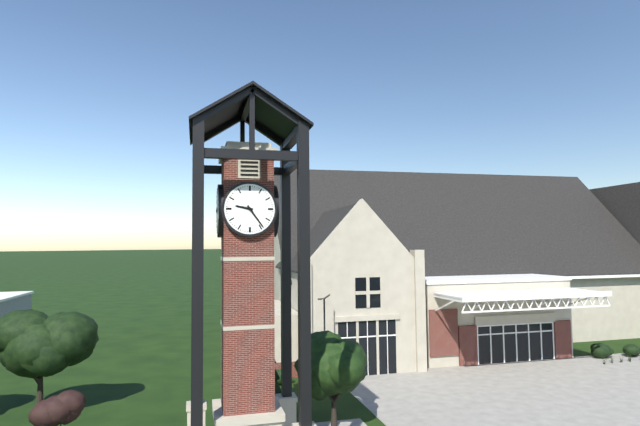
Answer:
9,24
